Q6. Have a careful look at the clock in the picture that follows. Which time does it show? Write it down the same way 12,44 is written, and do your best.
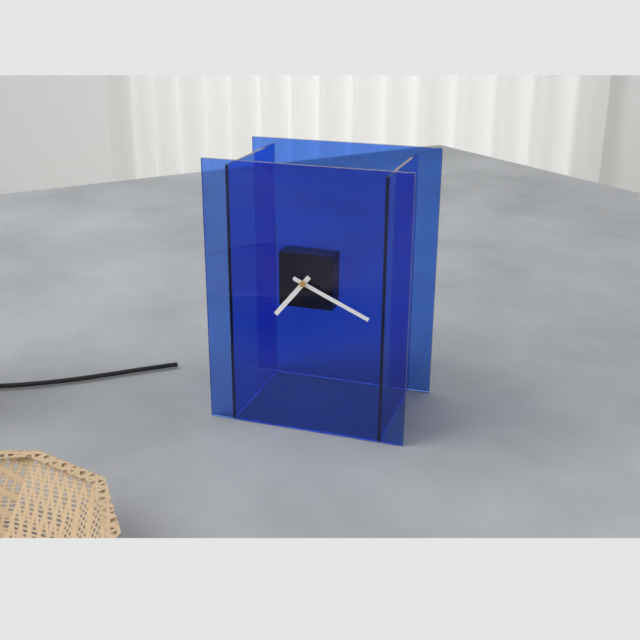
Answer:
7,19
